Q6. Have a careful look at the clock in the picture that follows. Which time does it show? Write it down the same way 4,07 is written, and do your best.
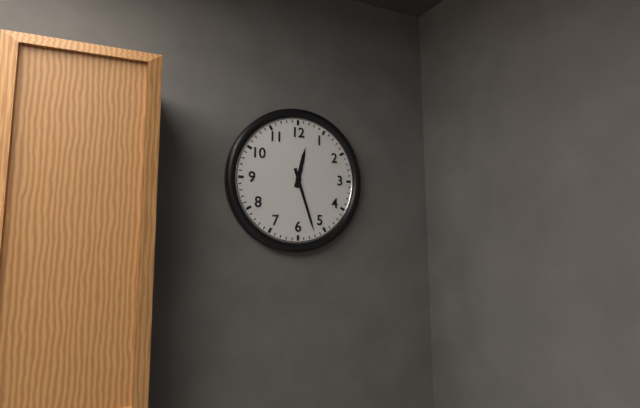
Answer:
12,27
